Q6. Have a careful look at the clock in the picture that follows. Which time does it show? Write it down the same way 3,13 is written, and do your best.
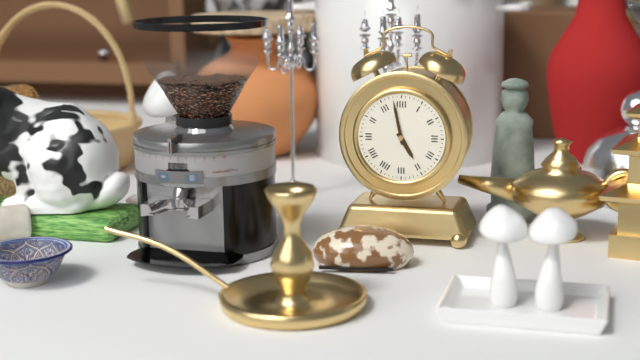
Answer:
4,58
